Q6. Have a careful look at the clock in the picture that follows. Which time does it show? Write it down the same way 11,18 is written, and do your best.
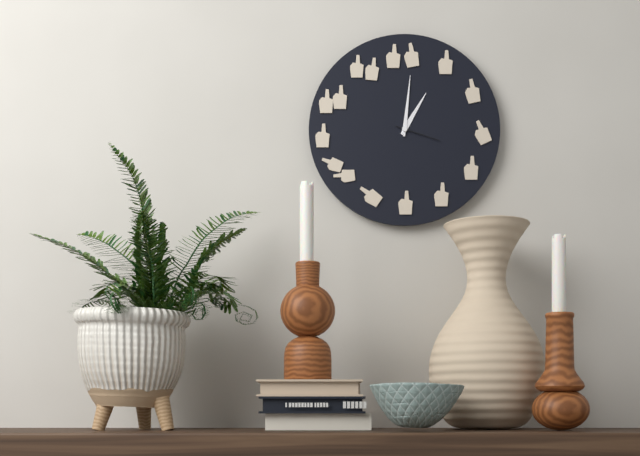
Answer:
1,01
